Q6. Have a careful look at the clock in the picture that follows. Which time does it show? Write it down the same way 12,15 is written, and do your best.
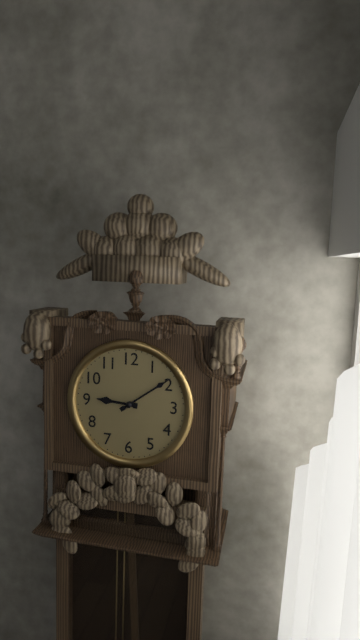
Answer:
9,09
